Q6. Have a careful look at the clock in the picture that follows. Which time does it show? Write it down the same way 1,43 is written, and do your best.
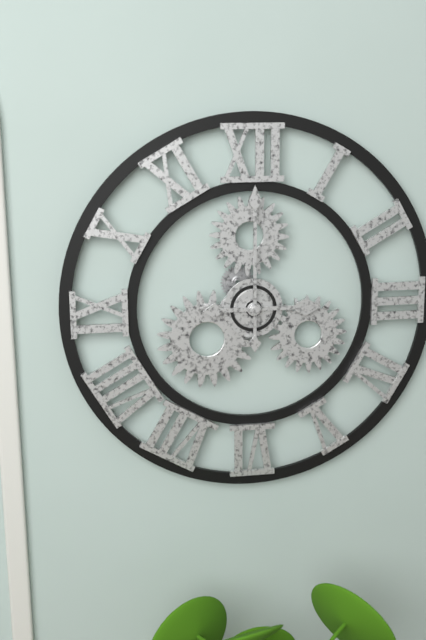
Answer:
3,00
